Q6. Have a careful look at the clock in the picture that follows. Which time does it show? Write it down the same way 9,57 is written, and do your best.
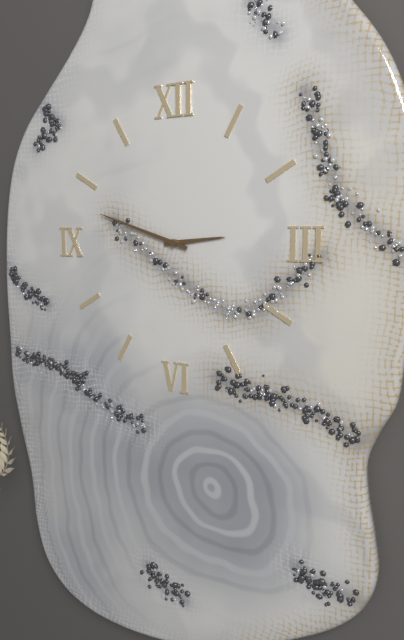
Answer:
2,48
